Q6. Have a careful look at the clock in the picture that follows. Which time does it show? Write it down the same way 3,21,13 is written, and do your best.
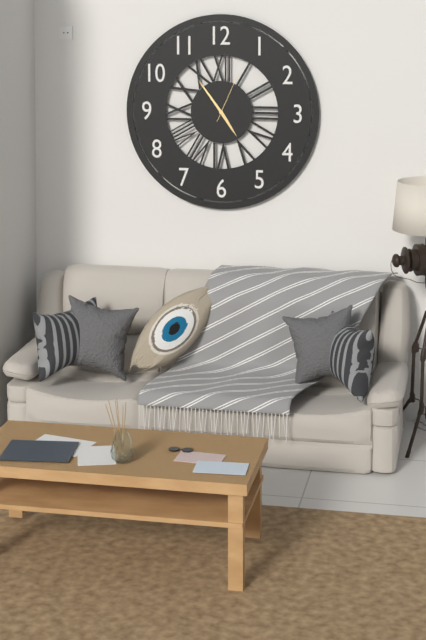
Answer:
4,54,04
